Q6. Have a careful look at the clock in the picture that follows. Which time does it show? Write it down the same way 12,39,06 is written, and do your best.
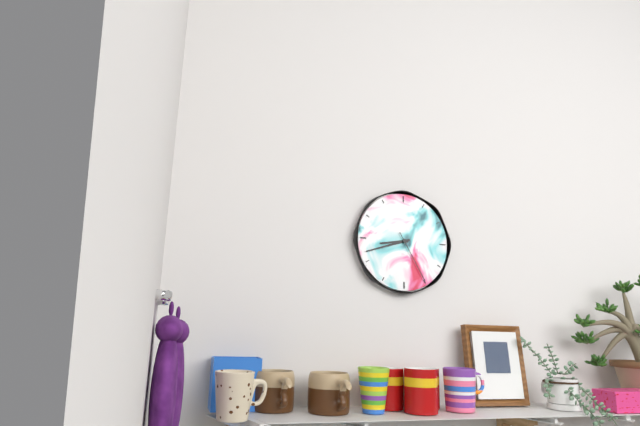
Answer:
8,42,25
